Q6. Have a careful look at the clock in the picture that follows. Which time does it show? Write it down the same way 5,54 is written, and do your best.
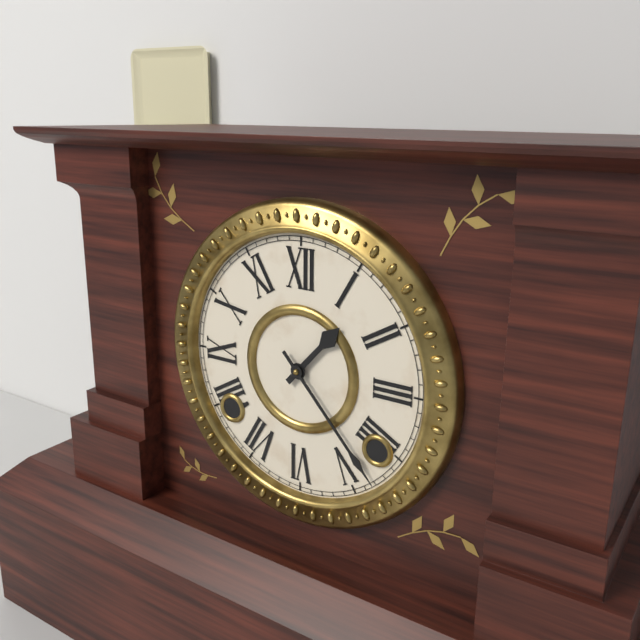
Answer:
1,23
